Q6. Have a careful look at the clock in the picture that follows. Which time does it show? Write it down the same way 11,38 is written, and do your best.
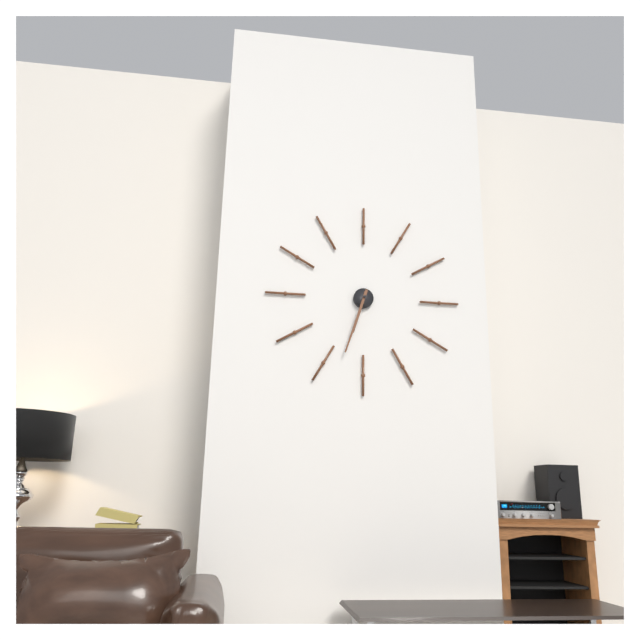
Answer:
6,33
